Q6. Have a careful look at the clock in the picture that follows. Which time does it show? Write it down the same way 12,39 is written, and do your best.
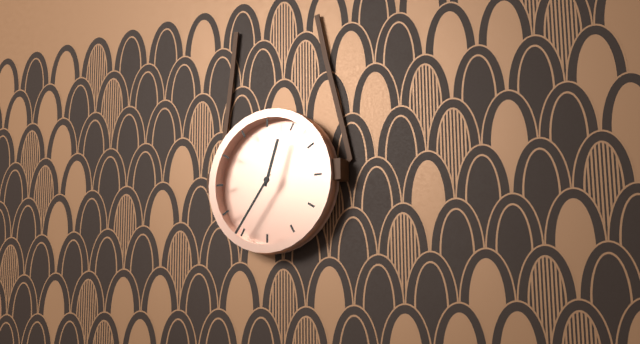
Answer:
12,36
